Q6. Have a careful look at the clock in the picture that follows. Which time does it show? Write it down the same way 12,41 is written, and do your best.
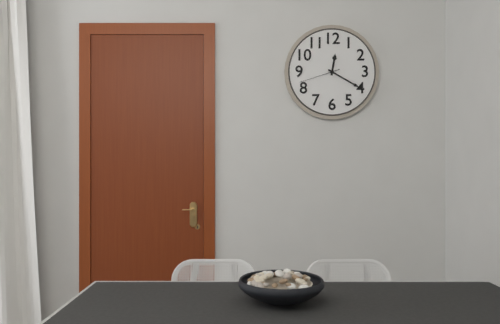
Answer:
12,20
